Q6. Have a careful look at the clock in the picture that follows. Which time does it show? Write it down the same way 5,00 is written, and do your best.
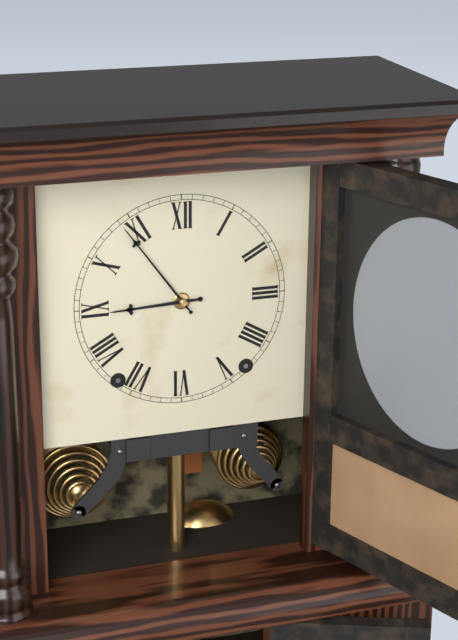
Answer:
8,54
